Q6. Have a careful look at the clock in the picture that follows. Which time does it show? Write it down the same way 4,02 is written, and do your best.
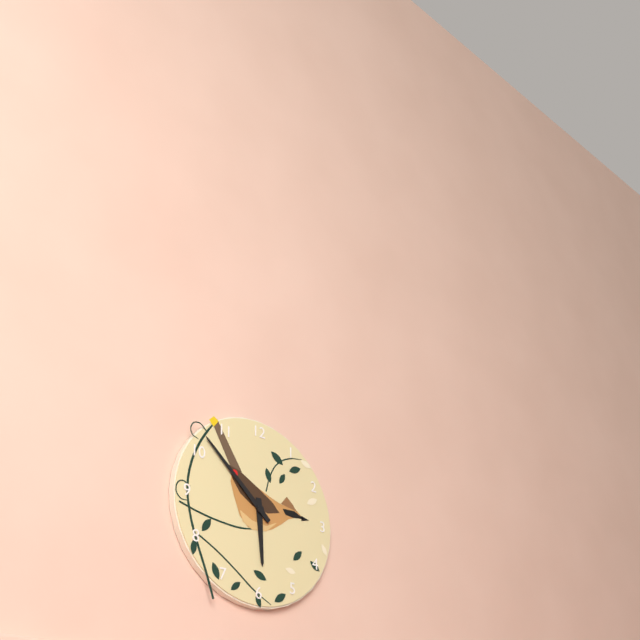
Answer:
5,52
